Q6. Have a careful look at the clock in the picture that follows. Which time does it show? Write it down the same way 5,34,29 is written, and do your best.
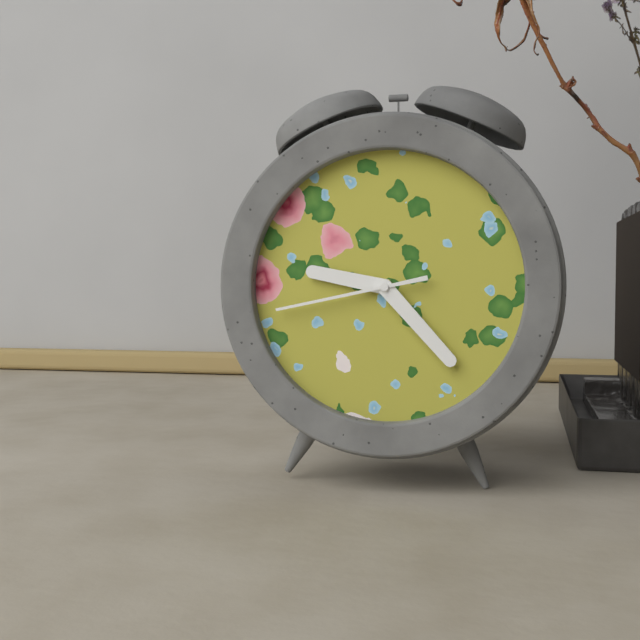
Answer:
9,23,43
